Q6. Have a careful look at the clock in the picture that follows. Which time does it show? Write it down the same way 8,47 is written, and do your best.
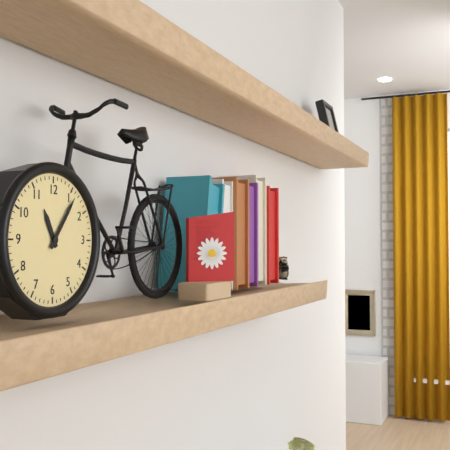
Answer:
11,06
